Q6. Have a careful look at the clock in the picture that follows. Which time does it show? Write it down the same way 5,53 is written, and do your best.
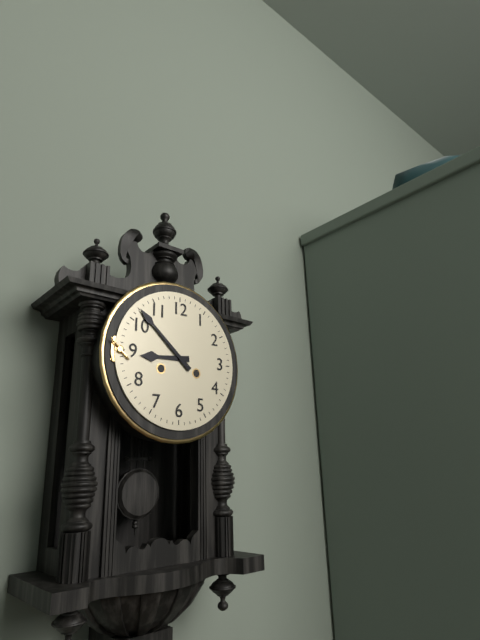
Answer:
8,52
